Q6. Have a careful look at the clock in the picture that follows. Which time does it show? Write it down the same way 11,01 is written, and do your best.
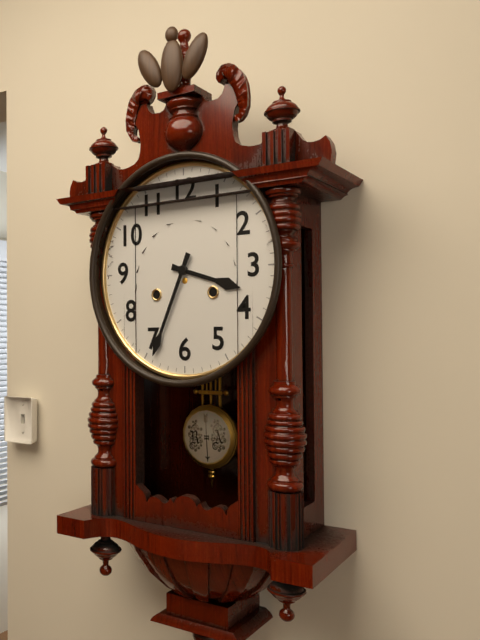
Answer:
3,34
